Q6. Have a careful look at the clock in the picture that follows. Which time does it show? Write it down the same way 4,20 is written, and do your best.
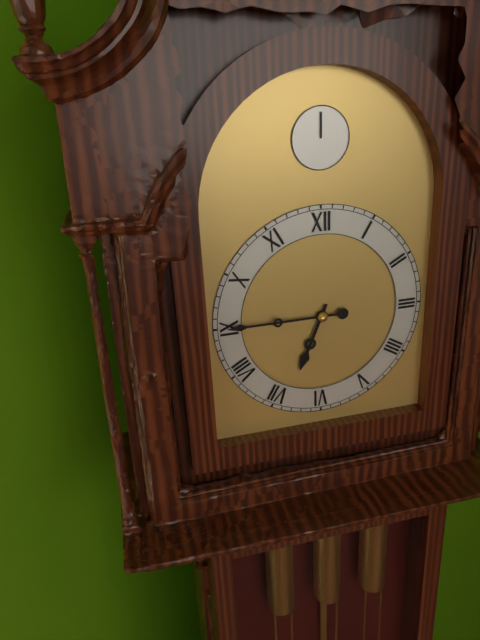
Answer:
6,45
